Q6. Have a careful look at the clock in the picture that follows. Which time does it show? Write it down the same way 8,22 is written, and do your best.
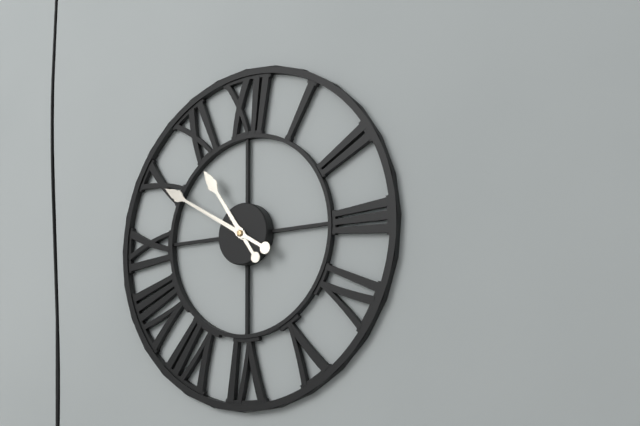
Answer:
10,50
